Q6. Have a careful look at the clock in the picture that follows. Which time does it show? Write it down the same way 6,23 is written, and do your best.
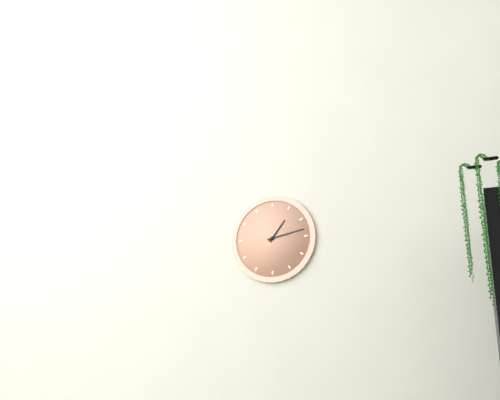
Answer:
1,13
